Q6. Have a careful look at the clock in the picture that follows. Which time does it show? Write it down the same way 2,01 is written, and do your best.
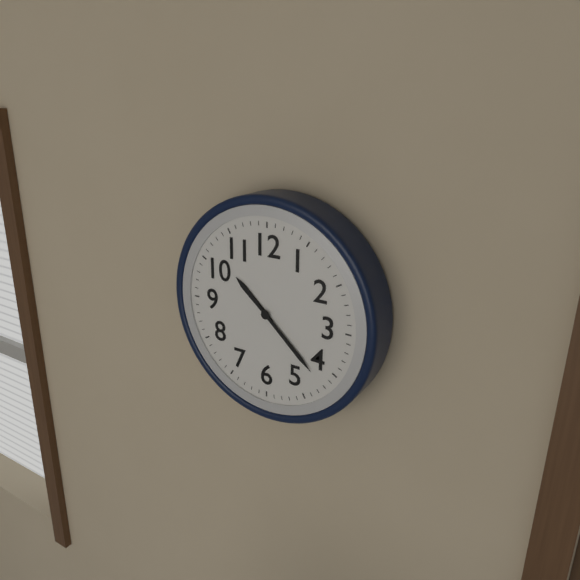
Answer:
10,22
